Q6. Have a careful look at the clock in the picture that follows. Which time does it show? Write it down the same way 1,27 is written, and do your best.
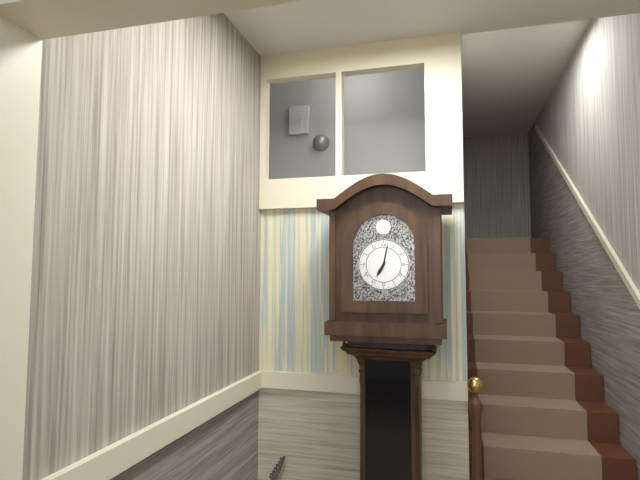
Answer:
7,02
